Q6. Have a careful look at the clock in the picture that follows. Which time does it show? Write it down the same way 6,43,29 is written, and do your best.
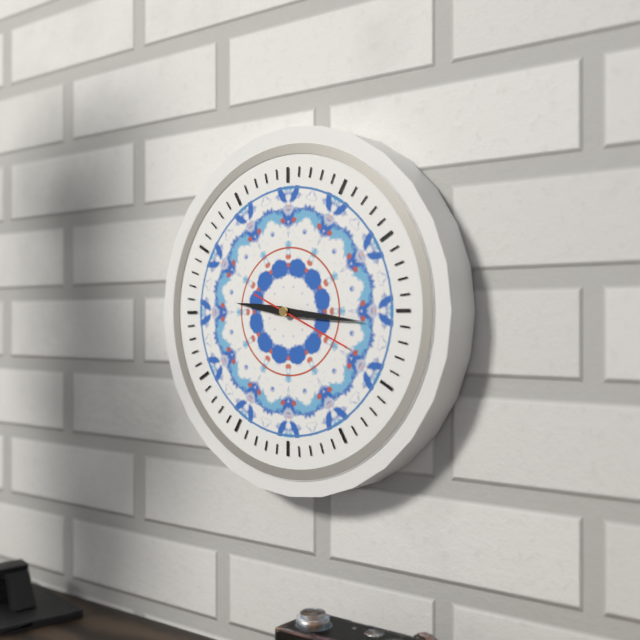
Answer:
9,16,19
